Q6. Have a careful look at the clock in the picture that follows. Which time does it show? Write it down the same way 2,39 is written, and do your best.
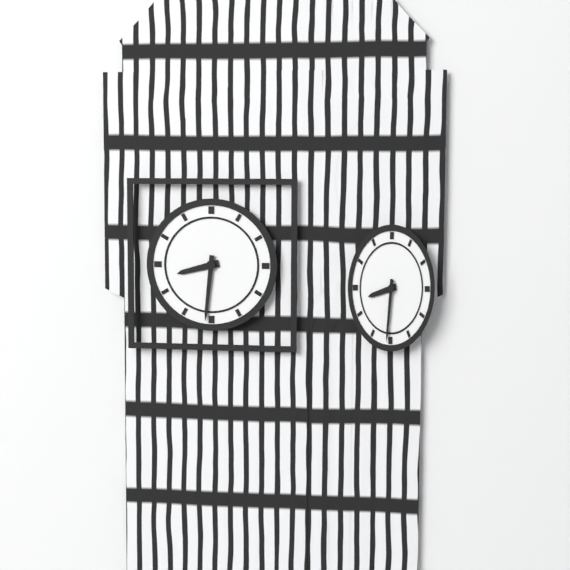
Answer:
8,31
